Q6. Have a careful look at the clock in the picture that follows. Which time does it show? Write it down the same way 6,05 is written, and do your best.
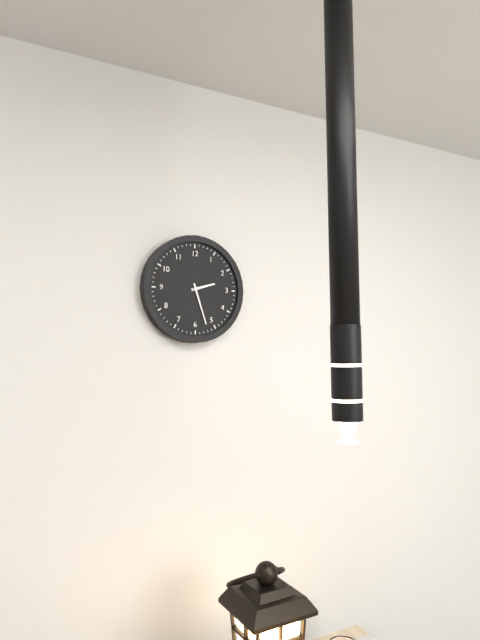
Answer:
2,27
